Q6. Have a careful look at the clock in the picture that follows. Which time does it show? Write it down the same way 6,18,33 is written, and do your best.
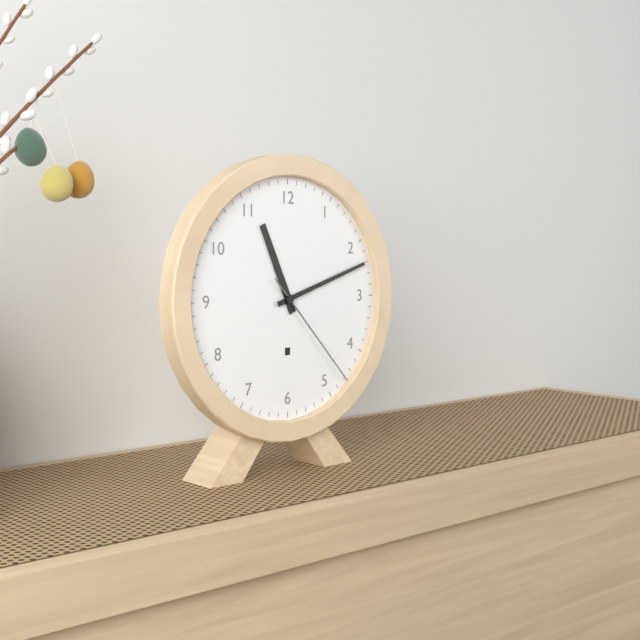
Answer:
11,12,23
